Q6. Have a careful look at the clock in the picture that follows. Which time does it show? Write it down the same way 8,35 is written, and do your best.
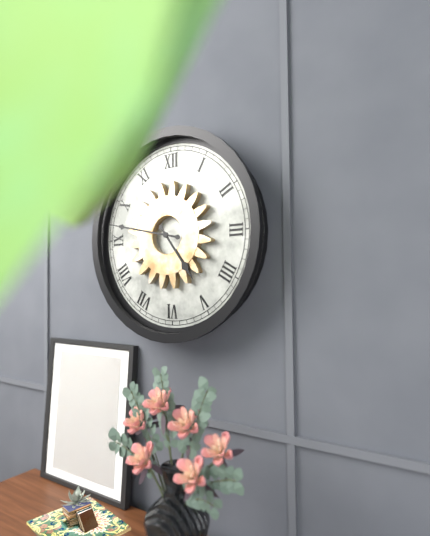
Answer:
4,47
